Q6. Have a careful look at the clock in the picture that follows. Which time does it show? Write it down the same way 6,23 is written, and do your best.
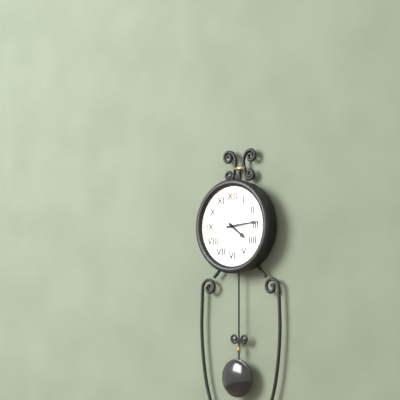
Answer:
4,14
